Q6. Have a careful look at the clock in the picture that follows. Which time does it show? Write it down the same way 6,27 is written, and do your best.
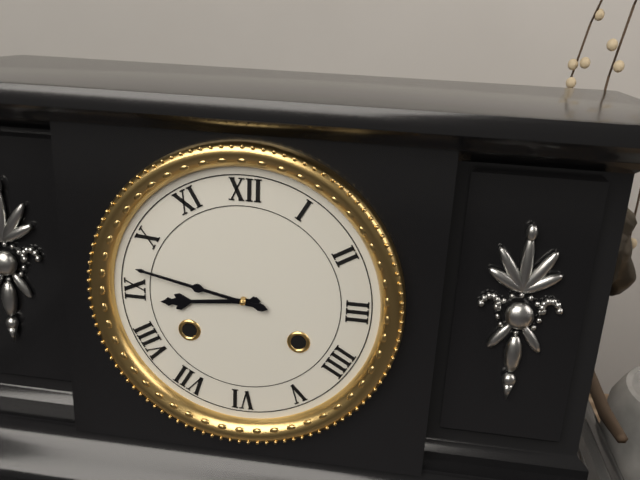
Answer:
8,47
